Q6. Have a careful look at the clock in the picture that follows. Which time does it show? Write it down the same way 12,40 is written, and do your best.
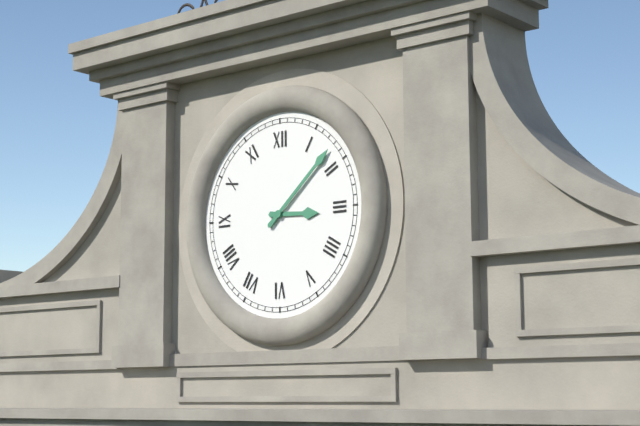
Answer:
3,08
